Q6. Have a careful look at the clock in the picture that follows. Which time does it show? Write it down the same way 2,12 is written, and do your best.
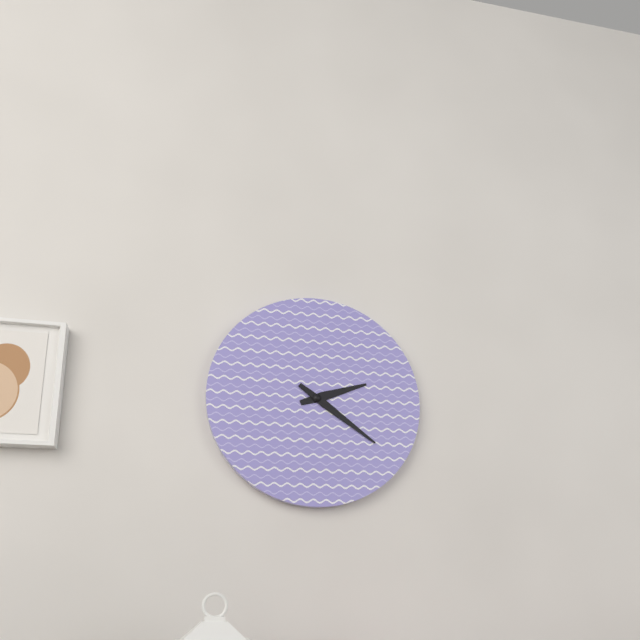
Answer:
2,21
